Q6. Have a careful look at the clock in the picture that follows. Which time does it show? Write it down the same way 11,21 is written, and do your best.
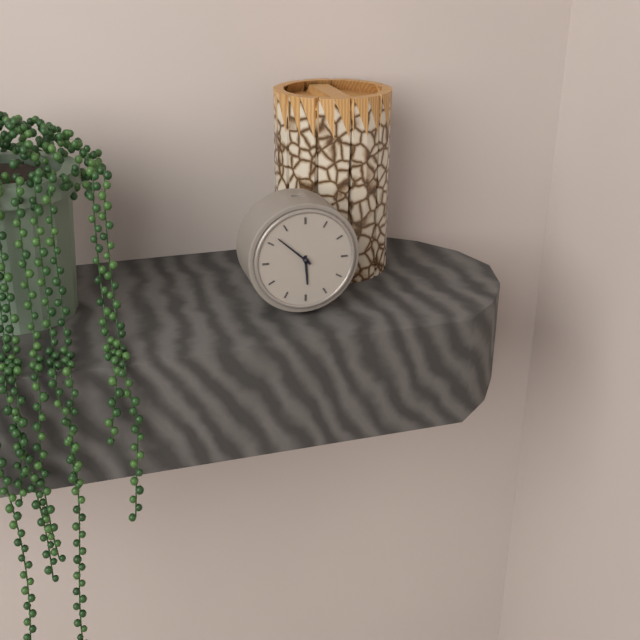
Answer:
5,52
